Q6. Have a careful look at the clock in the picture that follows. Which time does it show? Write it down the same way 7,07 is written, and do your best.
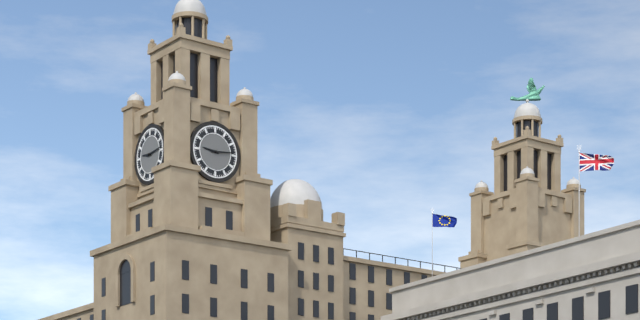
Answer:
9,14
